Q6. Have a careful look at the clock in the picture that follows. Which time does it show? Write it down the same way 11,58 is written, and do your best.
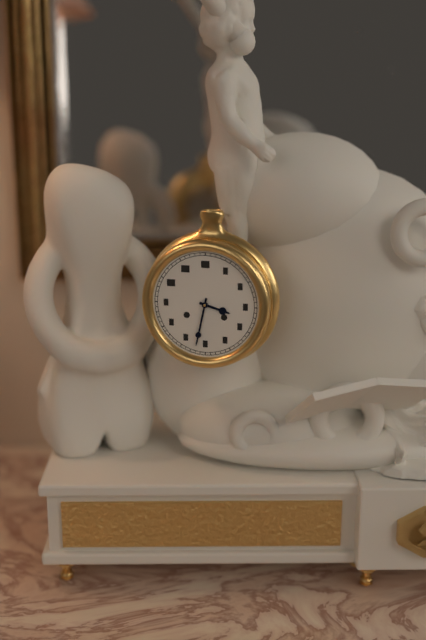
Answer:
3,32
